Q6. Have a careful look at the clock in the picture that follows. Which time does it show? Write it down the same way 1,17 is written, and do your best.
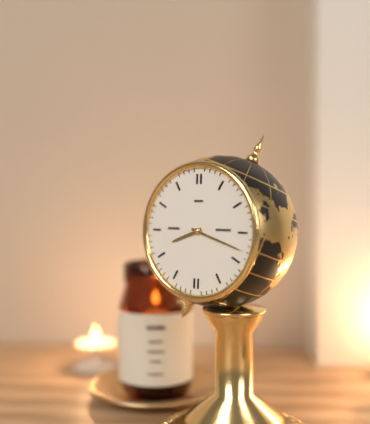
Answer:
8,18
